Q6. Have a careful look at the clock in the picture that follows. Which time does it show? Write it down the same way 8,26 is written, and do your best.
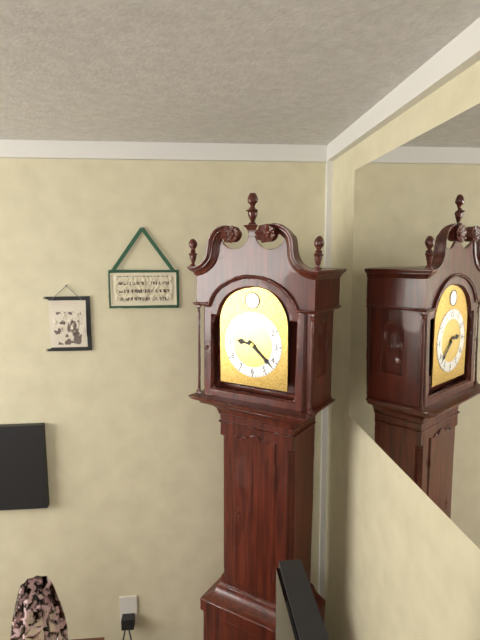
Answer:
9,22
